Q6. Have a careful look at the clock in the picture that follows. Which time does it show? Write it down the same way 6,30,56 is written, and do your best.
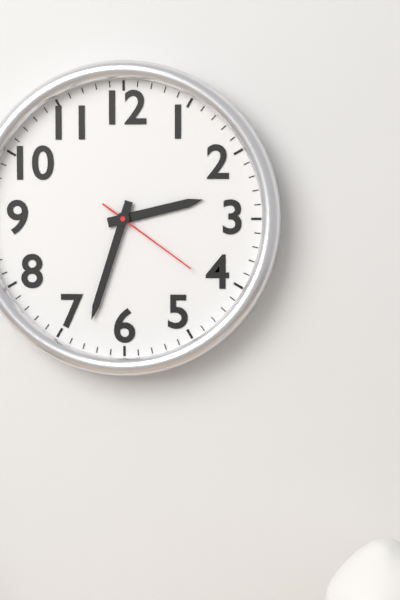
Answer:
2,33,21
